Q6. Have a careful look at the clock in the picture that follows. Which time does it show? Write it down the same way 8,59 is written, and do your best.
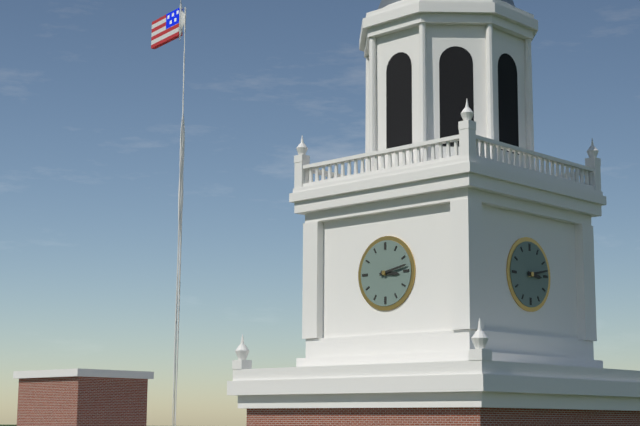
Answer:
3,13
